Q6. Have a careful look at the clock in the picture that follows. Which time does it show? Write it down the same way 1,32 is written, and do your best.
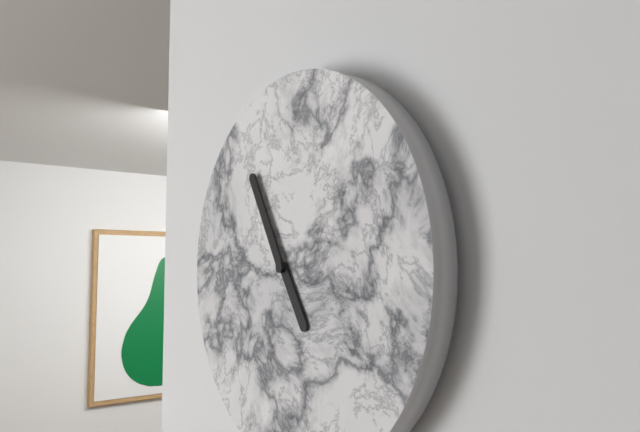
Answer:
4,55
